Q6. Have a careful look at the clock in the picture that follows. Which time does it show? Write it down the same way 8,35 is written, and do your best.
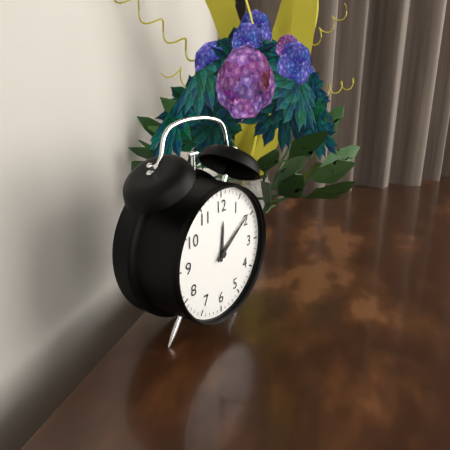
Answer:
12,09
